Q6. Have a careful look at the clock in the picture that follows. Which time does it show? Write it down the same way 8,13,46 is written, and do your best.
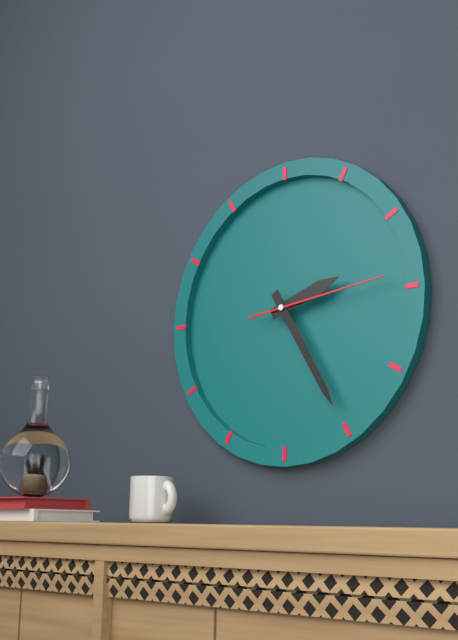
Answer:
2,25,14
